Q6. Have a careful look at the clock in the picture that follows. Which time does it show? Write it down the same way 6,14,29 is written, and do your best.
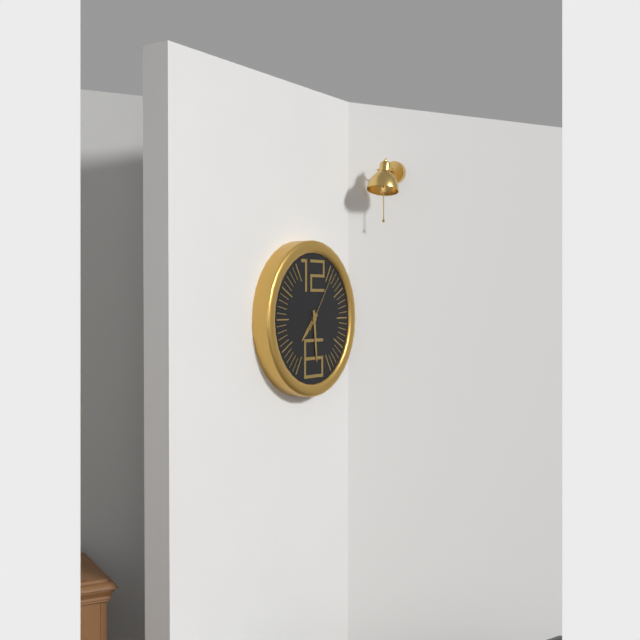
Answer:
7,29,06
